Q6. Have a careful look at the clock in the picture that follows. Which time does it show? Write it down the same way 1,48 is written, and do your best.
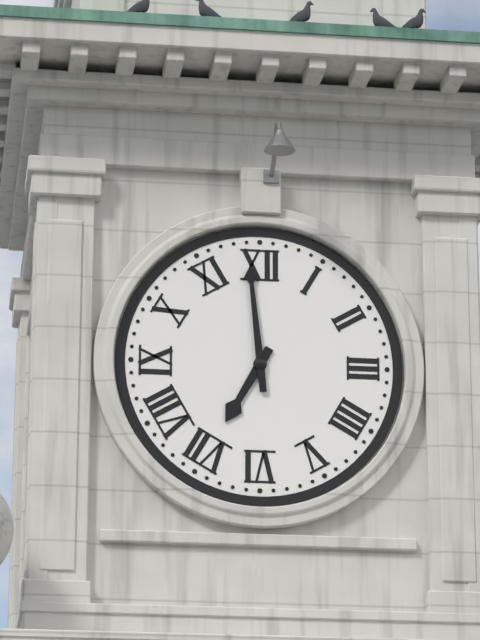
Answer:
6,59
